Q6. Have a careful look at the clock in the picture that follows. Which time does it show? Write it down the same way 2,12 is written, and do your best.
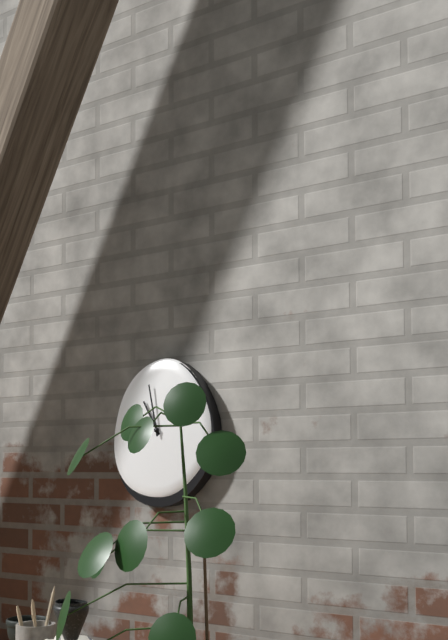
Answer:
10,58
